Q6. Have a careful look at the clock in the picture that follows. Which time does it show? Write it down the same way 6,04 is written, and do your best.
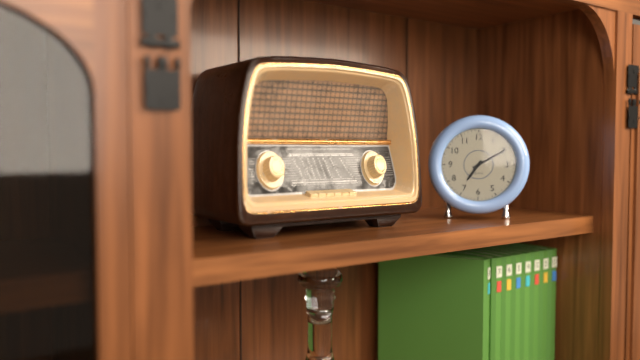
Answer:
7,10
